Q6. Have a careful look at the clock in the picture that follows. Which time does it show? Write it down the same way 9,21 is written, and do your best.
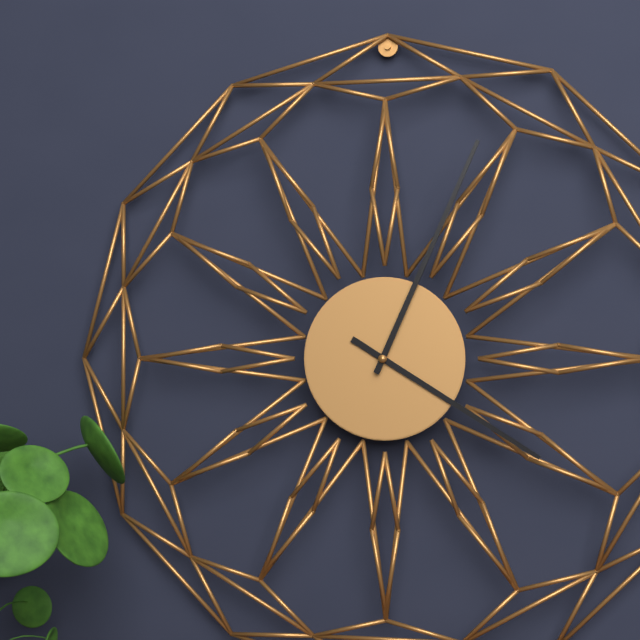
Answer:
4,04
